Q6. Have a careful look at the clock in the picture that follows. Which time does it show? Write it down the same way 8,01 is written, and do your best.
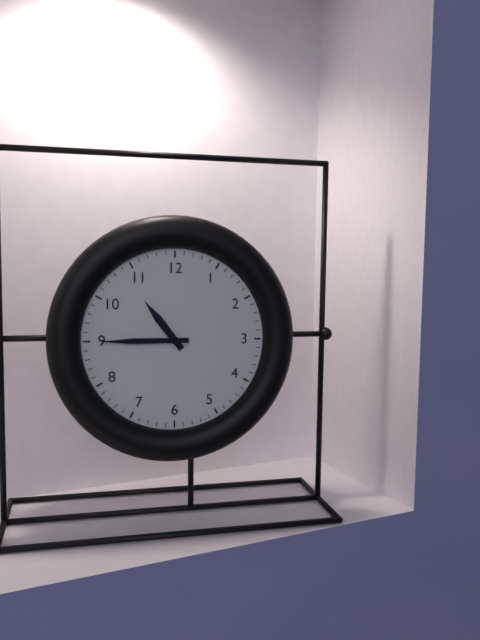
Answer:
10,45
